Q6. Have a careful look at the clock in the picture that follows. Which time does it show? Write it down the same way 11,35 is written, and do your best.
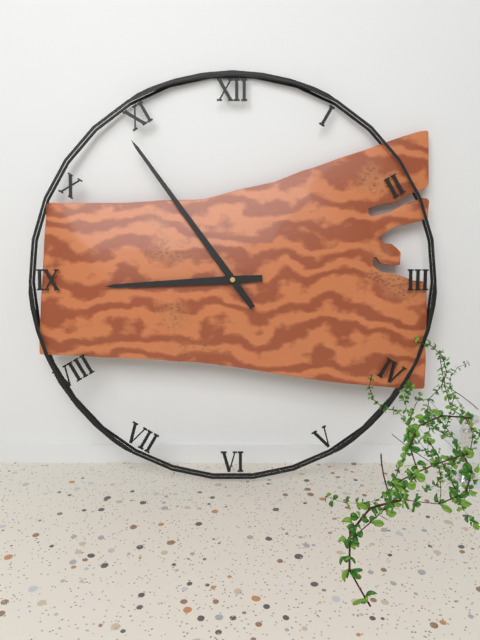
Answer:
8,54
